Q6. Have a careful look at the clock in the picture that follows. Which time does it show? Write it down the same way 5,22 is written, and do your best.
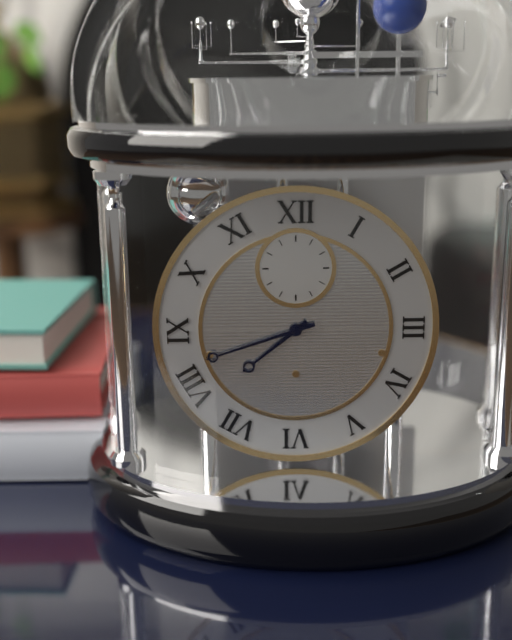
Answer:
7,42
